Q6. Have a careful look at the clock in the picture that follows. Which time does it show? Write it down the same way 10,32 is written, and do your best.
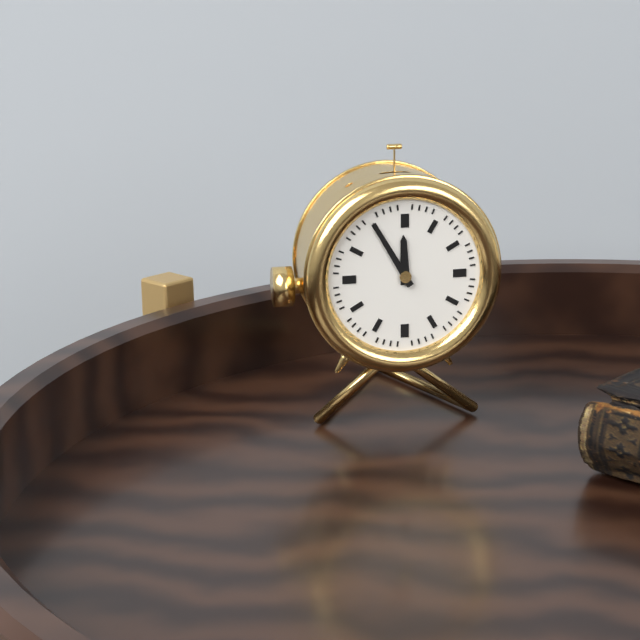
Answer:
11,55
